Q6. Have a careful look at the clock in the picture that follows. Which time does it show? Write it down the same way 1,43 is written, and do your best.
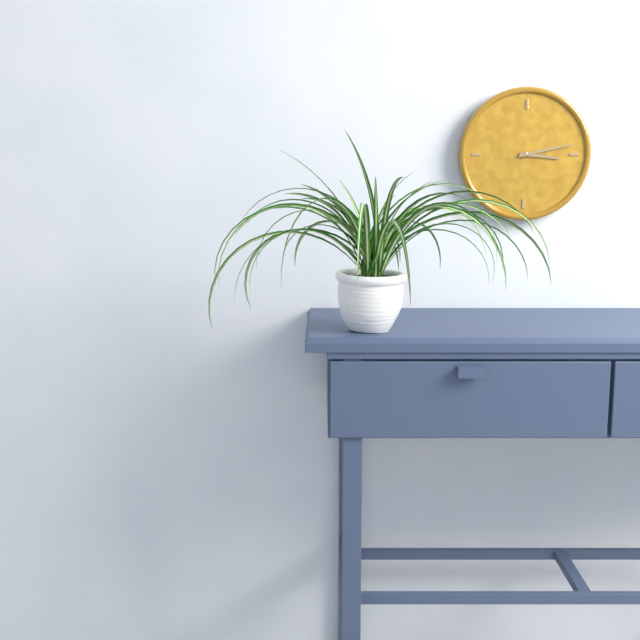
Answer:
3,13
